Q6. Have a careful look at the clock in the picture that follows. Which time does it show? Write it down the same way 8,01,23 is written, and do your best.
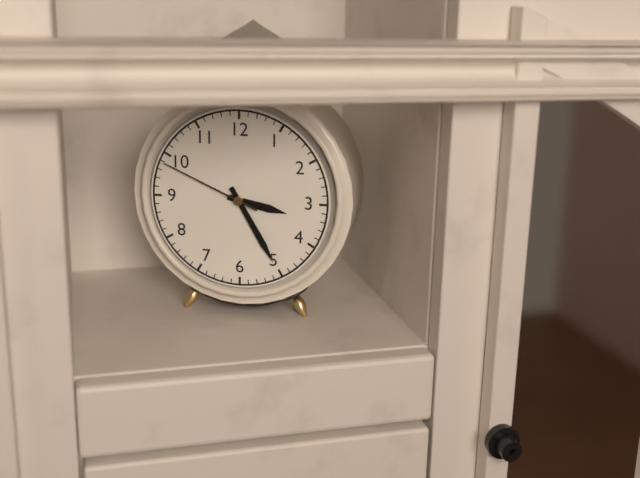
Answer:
3,25,49
